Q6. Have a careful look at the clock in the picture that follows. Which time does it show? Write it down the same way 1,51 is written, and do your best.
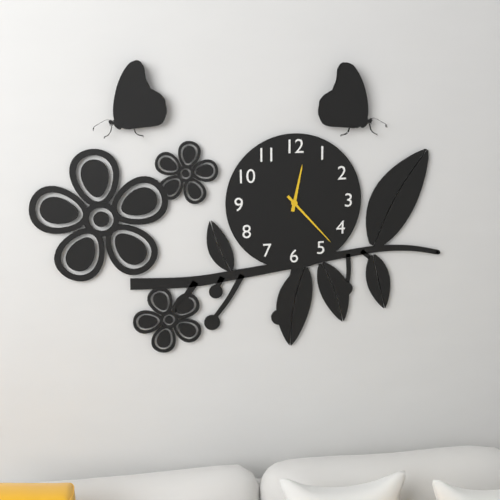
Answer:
12,23
